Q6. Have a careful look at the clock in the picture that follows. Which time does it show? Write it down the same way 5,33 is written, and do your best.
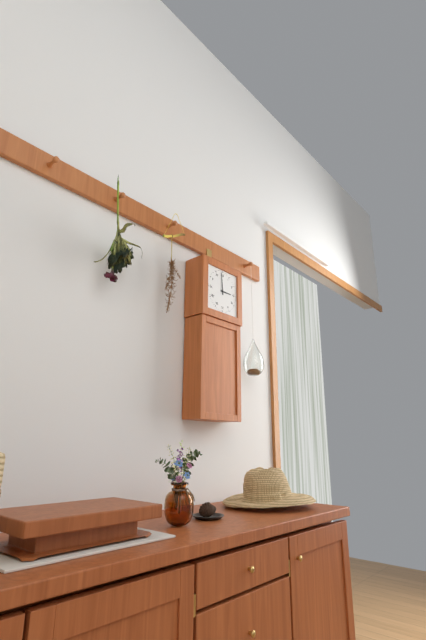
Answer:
2,59
